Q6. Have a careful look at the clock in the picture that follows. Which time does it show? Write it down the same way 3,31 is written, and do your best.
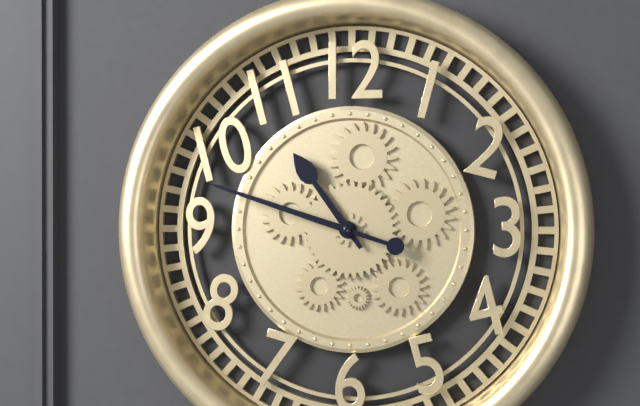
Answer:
10,48
